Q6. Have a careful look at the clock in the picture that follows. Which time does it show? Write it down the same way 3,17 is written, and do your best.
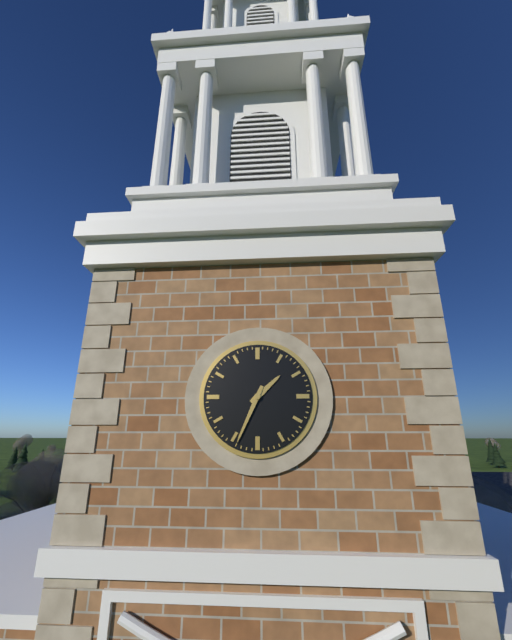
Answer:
1,34
